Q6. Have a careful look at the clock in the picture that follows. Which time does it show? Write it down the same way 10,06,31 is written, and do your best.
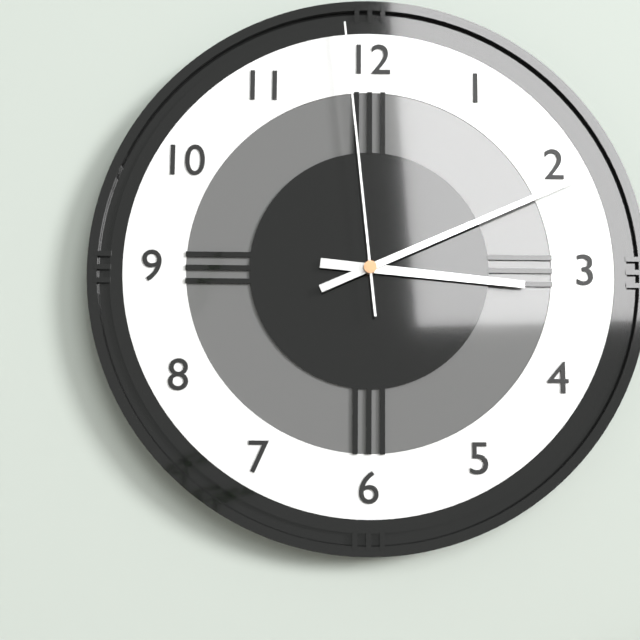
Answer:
3,11,59
